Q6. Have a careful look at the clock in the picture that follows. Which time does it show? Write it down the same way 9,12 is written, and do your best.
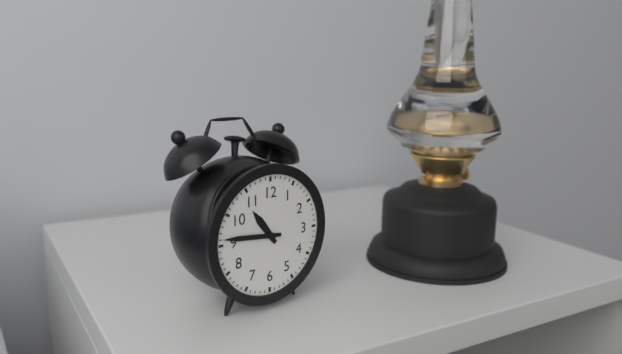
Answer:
10,46
